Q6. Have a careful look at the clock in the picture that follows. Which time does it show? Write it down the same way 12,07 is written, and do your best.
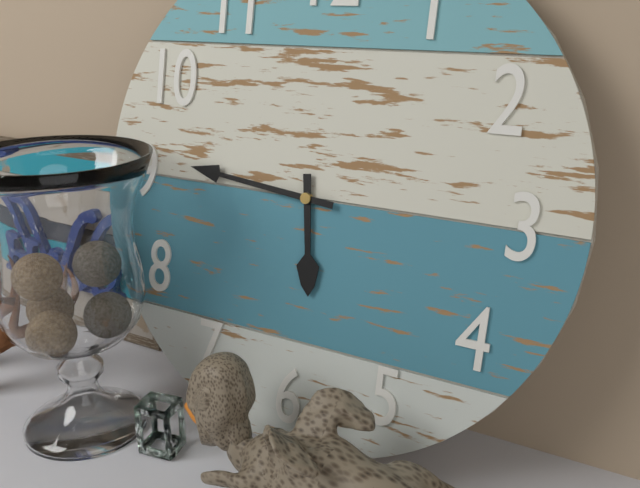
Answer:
5,46
